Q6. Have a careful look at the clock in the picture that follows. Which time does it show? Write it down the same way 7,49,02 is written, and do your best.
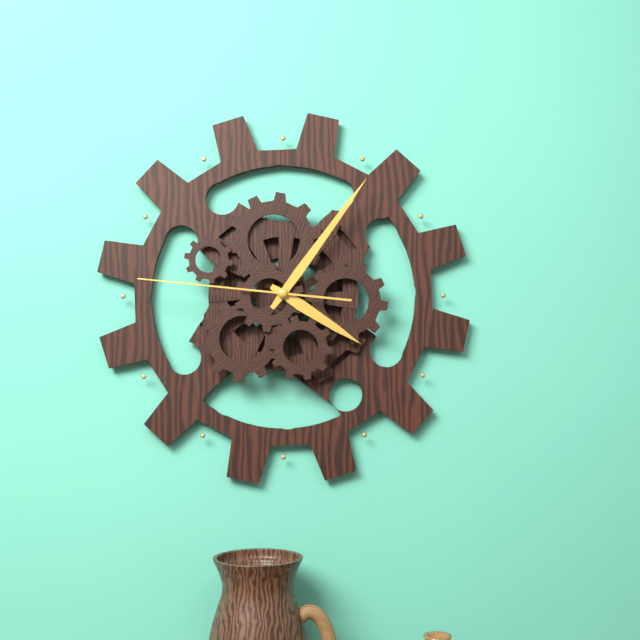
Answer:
4,06,46
